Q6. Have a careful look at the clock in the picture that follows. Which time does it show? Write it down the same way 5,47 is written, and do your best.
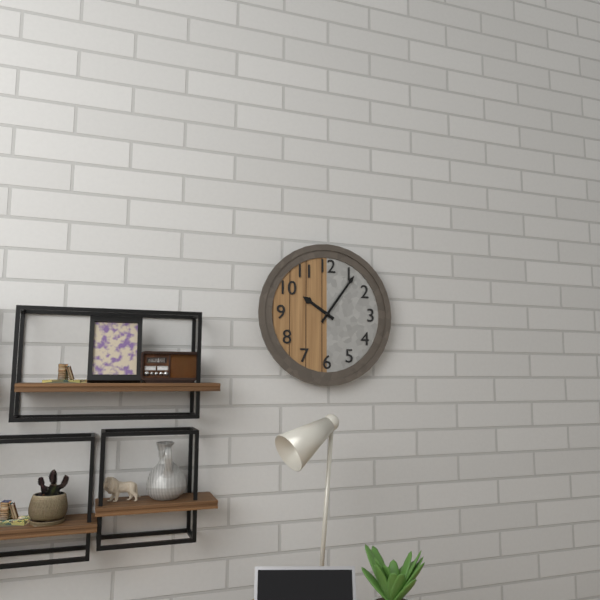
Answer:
10,06
